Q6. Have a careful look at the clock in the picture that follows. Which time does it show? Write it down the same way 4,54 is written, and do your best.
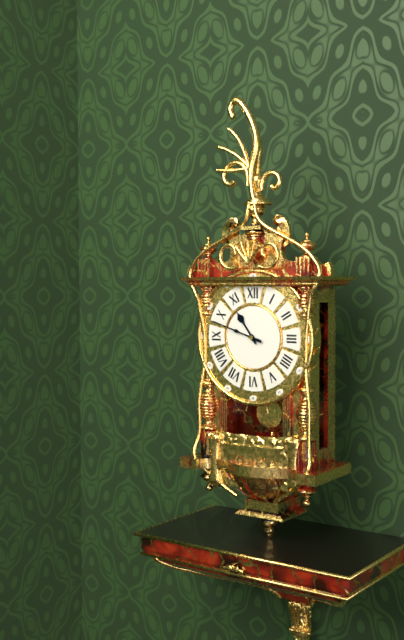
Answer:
10,48
